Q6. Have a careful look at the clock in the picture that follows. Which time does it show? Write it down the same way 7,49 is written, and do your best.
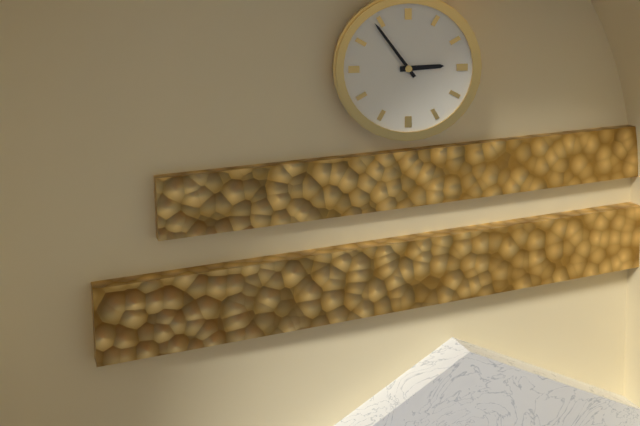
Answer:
2,54
